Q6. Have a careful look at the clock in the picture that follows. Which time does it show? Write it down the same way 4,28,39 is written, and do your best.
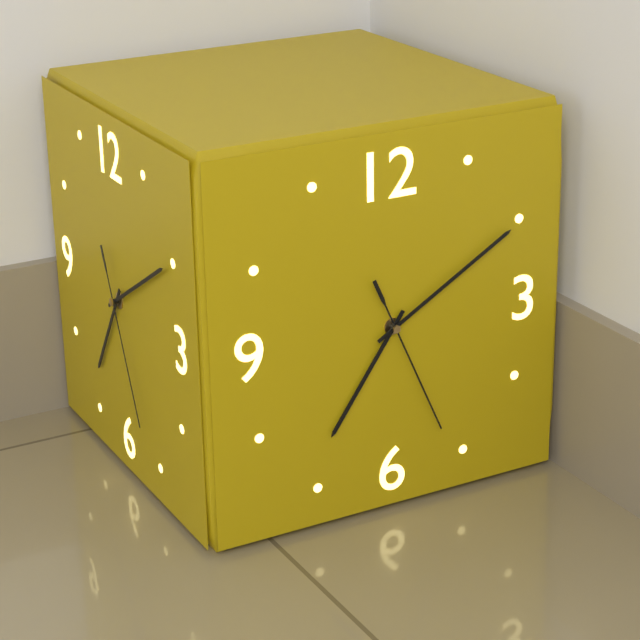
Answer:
7,10,26
